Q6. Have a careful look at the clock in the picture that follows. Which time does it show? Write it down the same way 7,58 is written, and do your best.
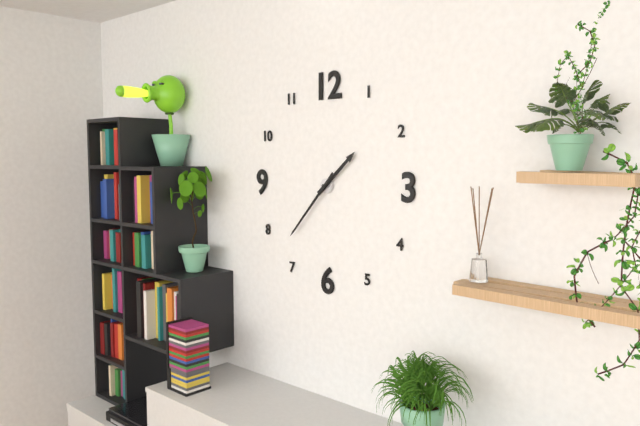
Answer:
1,37
